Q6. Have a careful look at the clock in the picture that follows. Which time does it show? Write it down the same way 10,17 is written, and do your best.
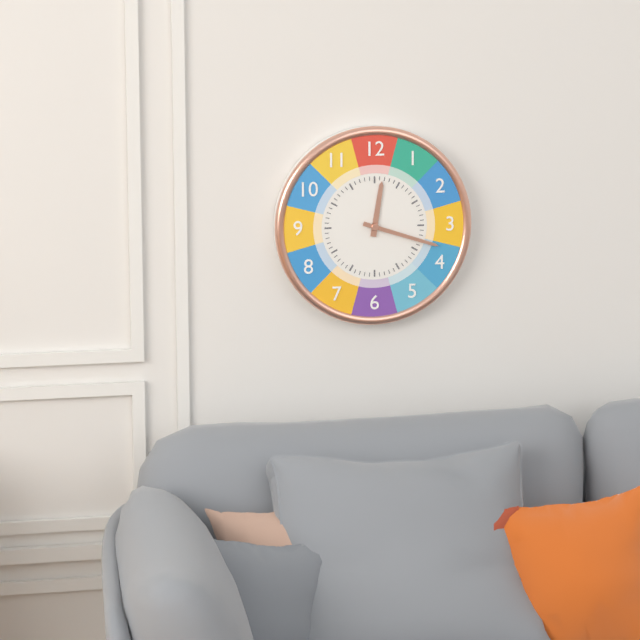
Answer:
12,18
